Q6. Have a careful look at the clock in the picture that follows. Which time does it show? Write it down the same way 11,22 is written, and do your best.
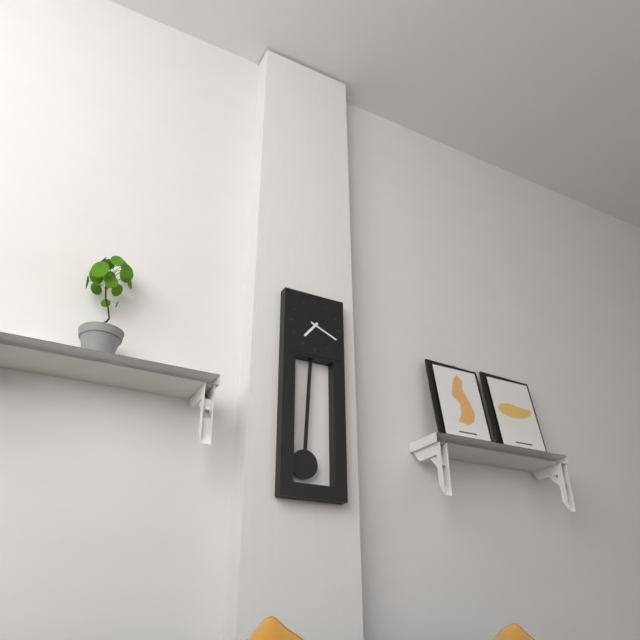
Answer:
7,19
